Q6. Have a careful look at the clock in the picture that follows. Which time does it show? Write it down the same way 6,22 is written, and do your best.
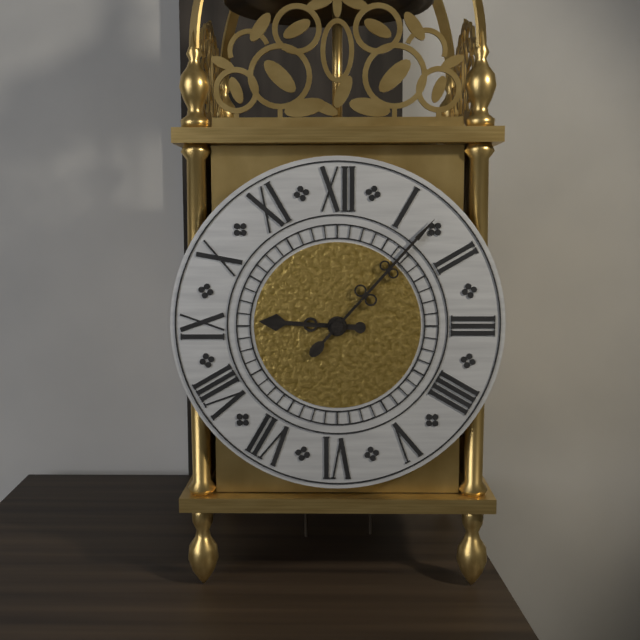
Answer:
9,07
